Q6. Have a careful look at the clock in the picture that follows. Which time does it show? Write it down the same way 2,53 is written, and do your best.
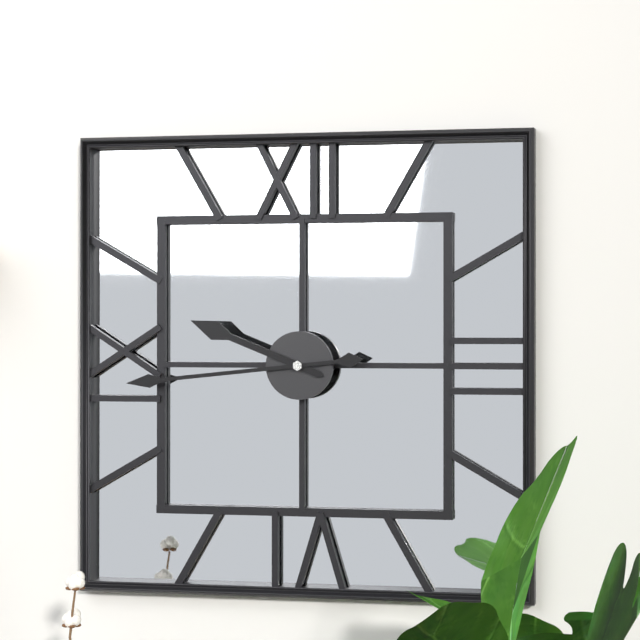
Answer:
9,44
